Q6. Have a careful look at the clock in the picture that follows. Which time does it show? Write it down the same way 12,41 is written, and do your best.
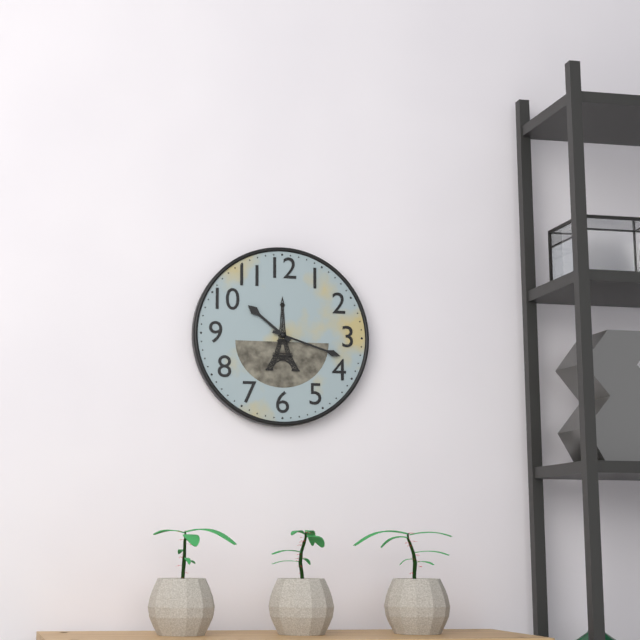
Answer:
10,18
